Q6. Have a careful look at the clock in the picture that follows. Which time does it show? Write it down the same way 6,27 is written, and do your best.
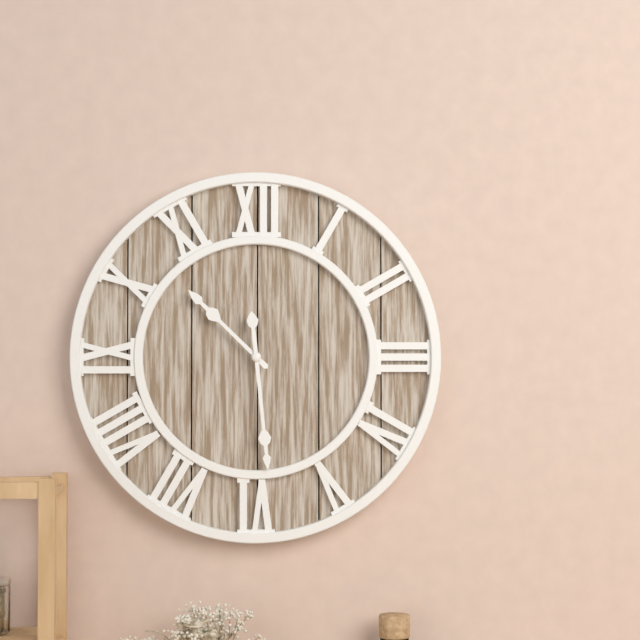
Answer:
10,29
